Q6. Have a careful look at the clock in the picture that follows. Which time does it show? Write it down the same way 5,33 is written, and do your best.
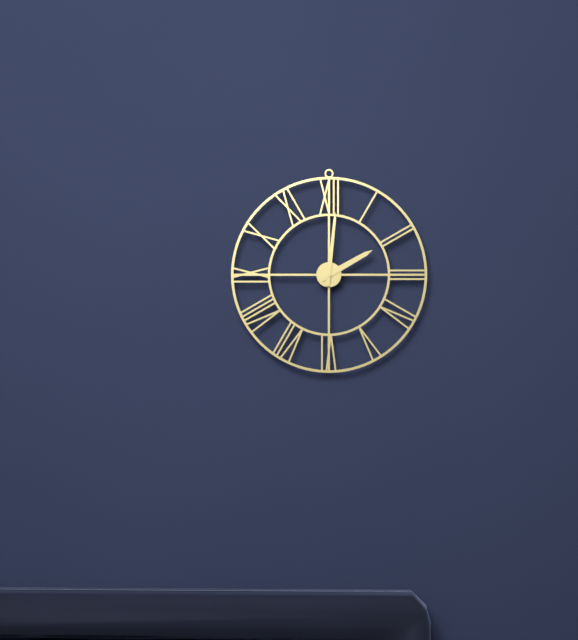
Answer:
2,01
